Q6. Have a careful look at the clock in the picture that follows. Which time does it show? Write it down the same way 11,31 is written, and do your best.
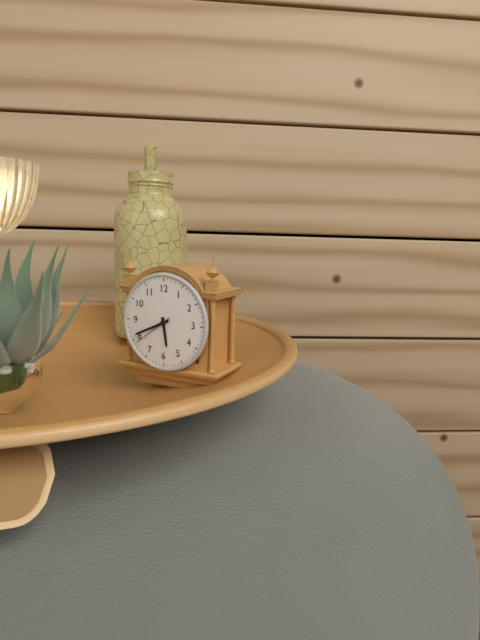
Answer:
5,41
